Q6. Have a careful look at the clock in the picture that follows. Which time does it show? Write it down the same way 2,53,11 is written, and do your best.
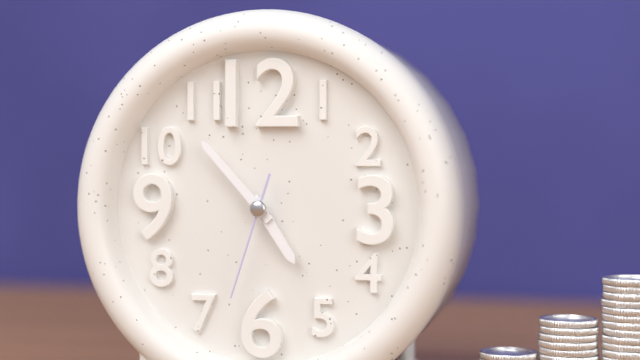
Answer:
4,53,33
